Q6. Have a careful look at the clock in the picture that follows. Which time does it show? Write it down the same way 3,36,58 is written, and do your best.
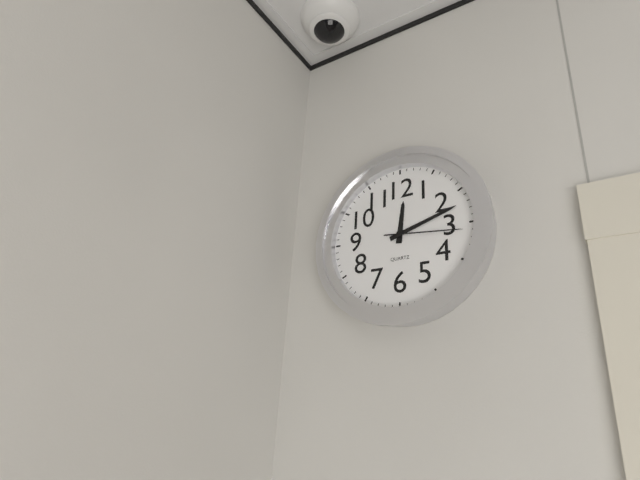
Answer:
12,12,16
